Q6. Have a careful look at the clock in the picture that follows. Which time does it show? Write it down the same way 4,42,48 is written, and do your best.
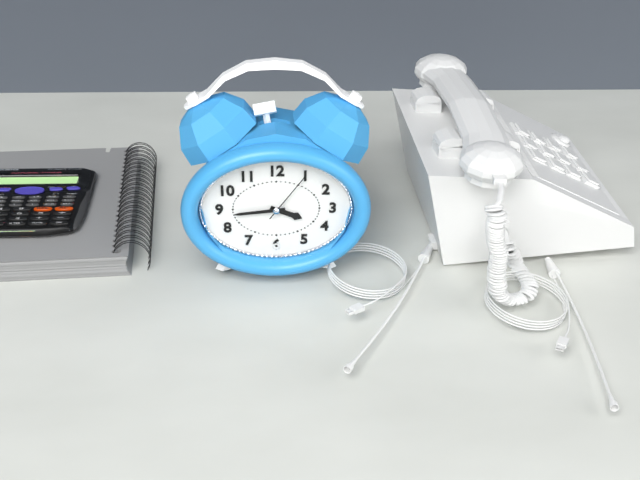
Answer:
3,44,06
